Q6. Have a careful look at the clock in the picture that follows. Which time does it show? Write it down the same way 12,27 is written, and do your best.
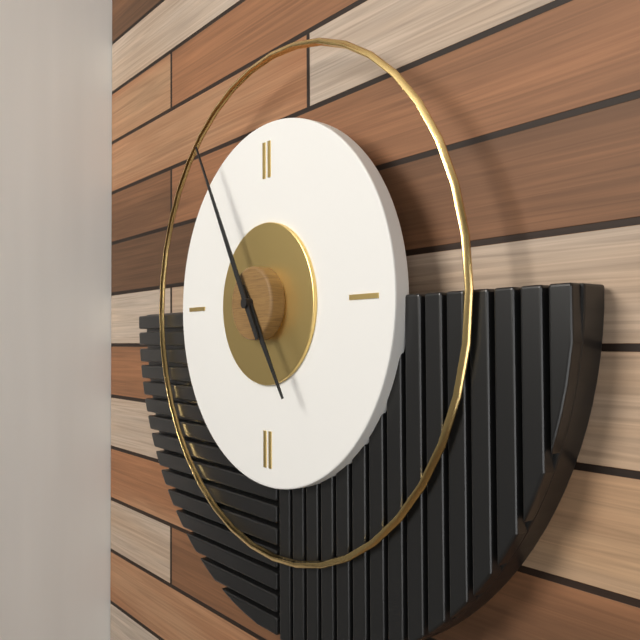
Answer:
4,55
